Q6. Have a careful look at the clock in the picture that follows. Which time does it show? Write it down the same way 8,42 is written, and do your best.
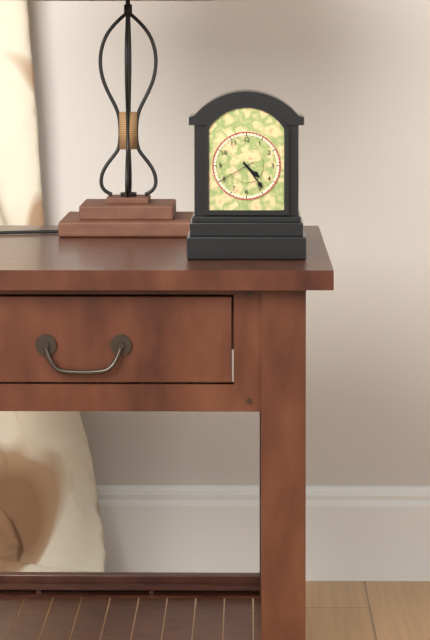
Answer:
4,24
